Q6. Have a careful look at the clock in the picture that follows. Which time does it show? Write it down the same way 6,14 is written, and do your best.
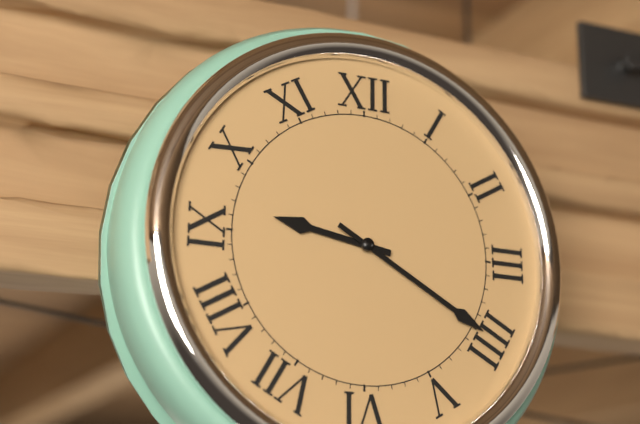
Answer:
9,20
